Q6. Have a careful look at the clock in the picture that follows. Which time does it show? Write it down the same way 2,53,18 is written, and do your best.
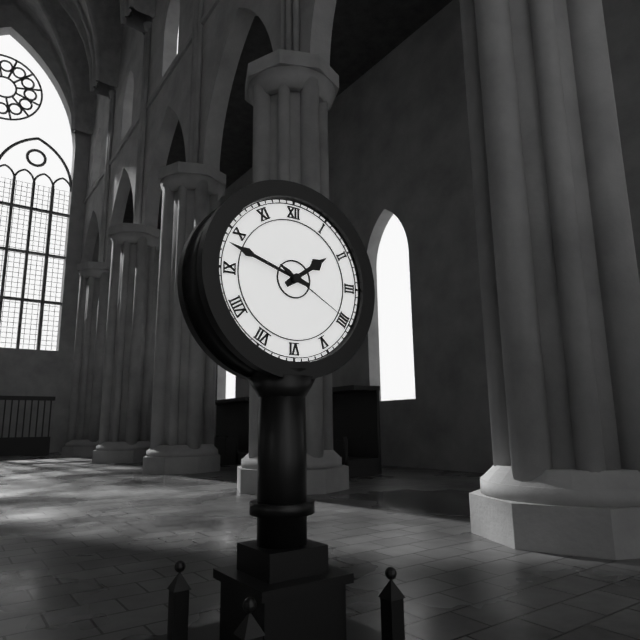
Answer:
1,48,20
